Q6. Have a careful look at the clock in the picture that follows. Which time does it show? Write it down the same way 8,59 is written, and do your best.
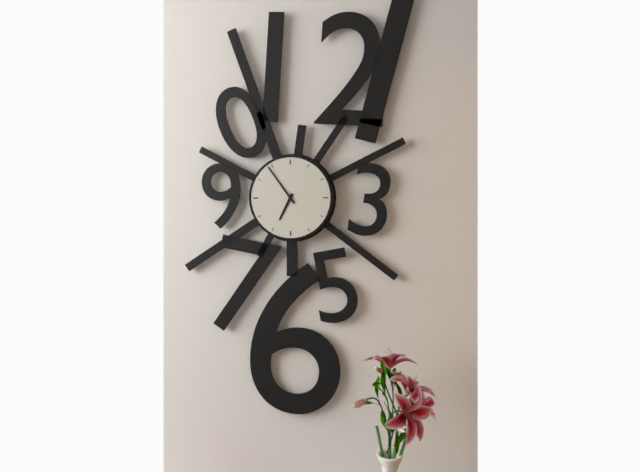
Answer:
6,54
